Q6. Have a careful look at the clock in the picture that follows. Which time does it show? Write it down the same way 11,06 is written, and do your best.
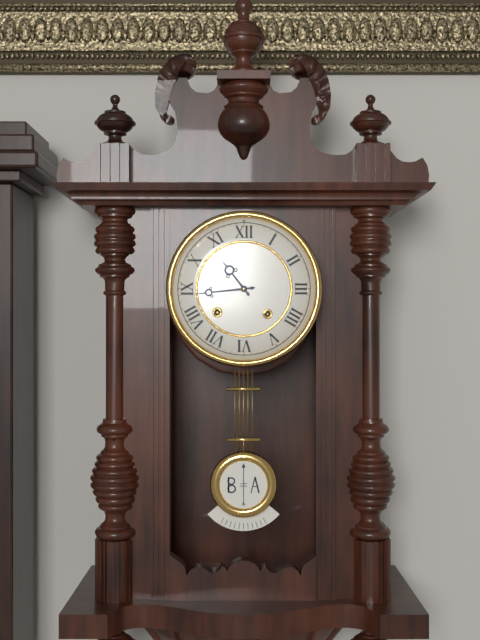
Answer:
10,44
